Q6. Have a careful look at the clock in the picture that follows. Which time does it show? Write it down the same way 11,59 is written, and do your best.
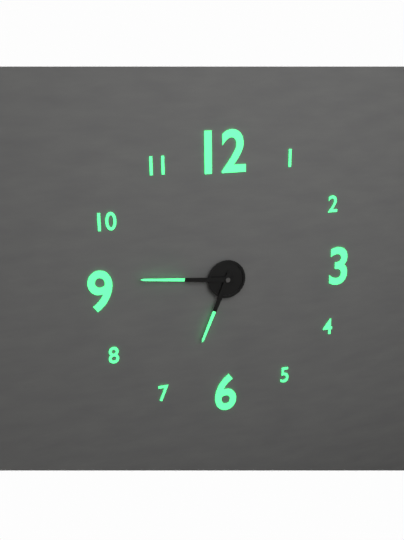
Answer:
6,46
